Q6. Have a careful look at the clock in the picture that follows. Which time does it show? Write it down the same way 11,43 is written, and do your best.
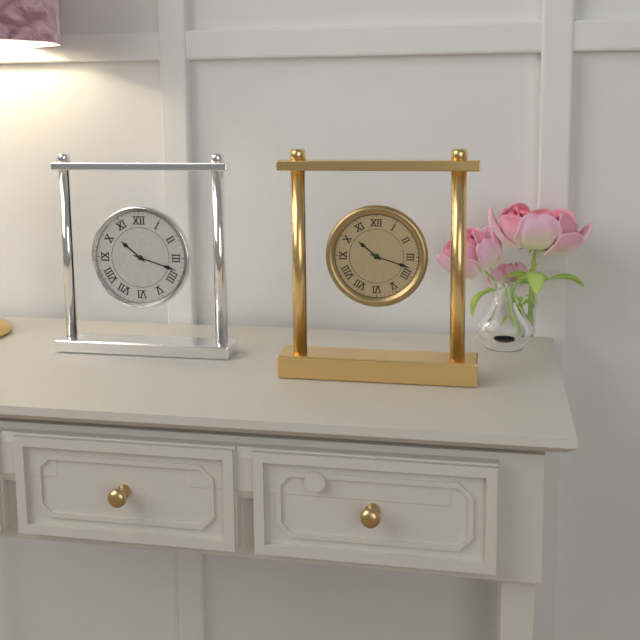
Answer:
10,18
